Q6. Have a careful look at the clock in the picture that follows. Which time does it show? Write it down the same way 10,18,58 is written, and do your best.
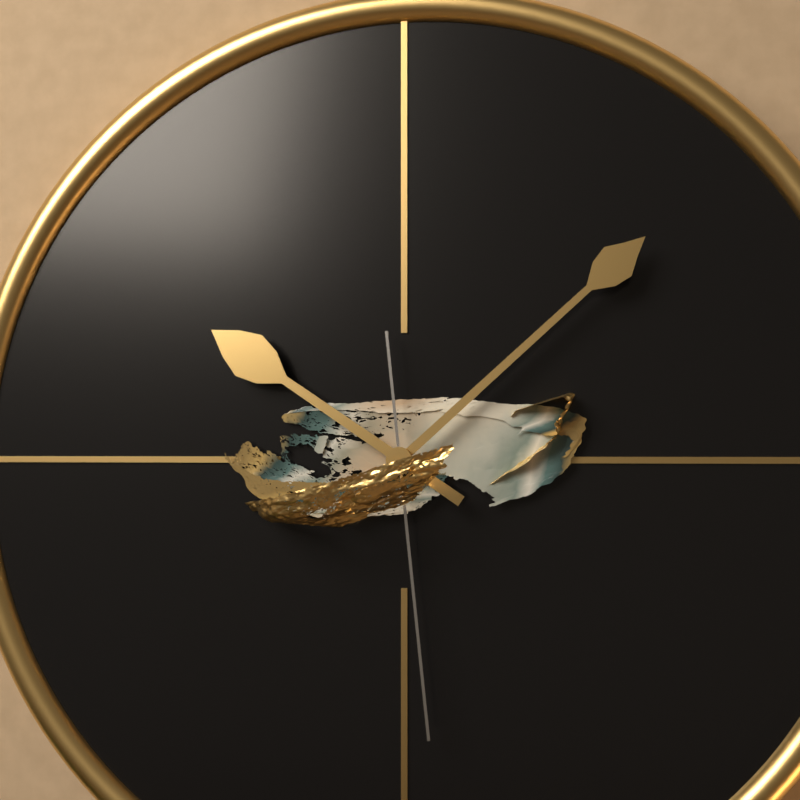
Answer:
10,08,29
